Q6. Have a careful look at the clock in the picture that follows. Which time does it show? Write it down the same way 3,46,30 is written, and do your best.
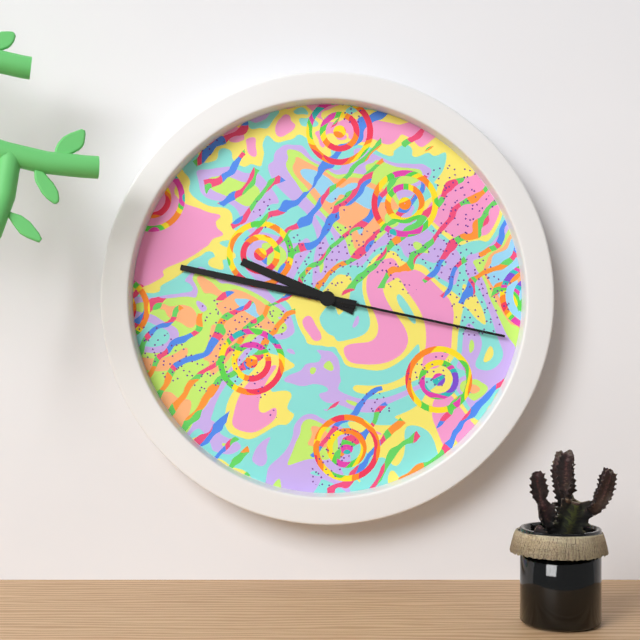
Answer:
9,47,17
